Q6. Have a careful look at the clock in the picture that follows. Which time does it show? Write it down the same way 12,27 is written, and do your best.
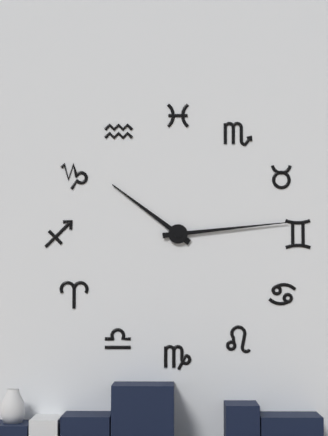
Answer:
10,14
